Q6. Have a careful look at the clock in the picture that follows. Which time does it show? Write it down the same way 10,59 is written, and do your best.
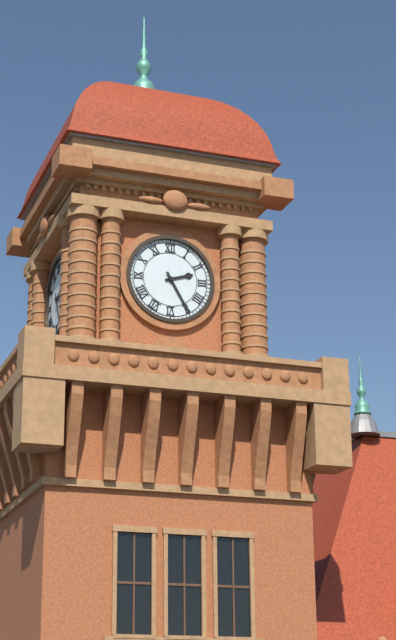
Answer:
2,25
